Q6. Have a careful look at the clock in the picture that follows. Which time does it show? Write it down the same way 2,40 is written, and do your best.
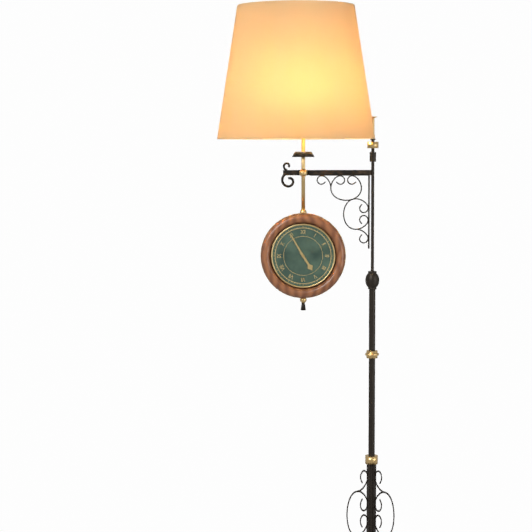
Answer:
4,55
